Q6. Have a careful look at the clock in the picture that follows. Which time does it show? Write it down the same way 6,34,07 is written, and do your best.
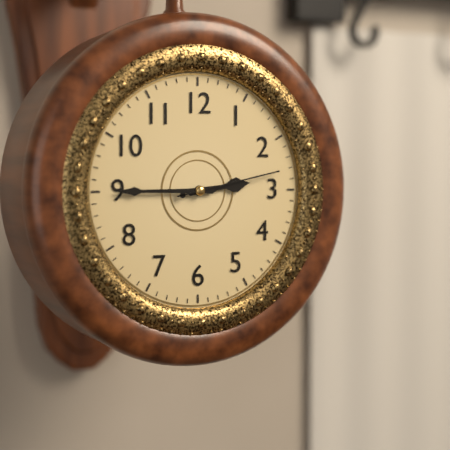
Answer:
2,45,13
